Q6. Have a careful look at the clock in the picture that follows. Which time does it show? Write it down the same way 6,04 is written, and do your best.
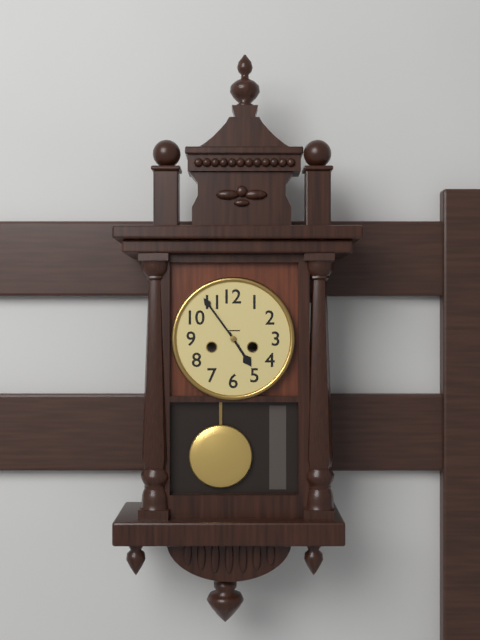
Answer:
4,54
